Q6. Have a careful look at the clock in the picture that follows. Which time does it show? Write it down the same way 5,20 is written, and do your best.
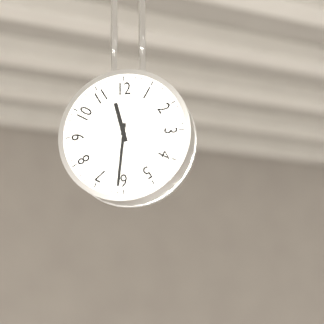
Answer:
11,31
